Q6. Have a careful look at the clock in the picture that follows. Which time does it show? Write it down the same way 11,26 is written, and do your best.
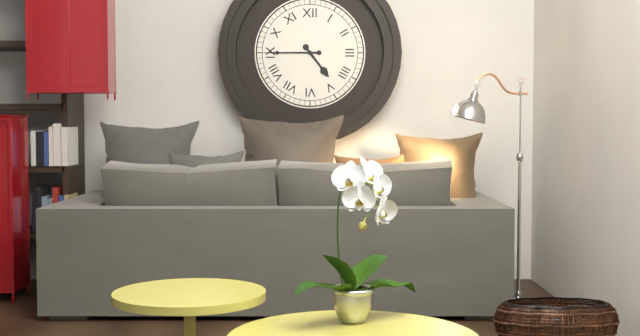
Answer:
4,45
